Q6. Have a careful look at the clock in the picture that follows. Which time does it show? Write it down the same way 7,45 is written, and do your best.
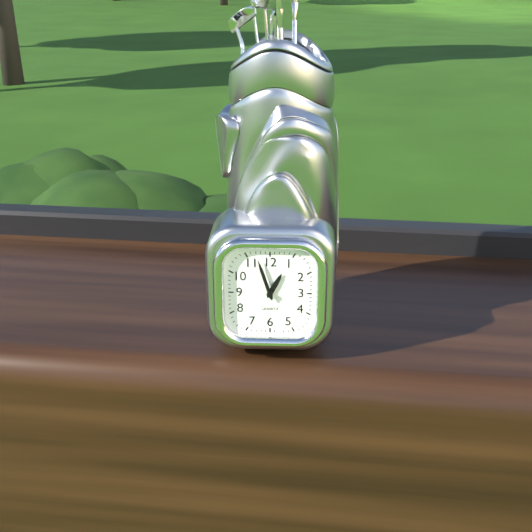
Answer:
12,57
